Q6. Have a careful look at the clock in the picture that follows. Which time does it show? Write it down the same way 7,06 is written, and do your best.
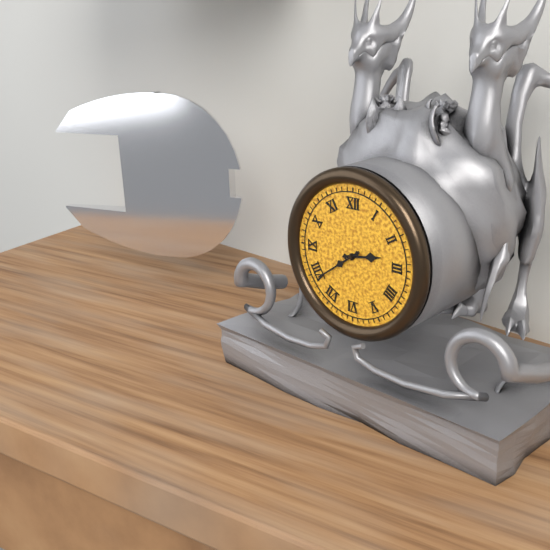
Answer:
2,39
